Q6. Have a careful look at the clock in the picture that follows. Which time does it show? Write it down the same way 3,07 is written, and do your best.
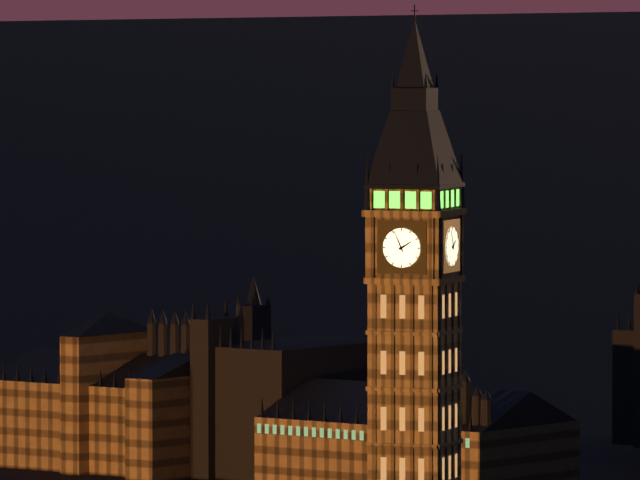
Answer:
1,56
